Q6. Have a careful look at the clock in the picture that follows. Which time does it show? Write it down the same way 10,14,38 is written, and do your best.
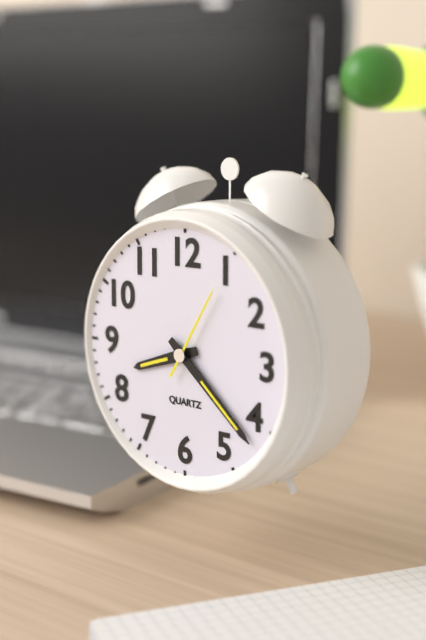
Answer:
8,22,05
